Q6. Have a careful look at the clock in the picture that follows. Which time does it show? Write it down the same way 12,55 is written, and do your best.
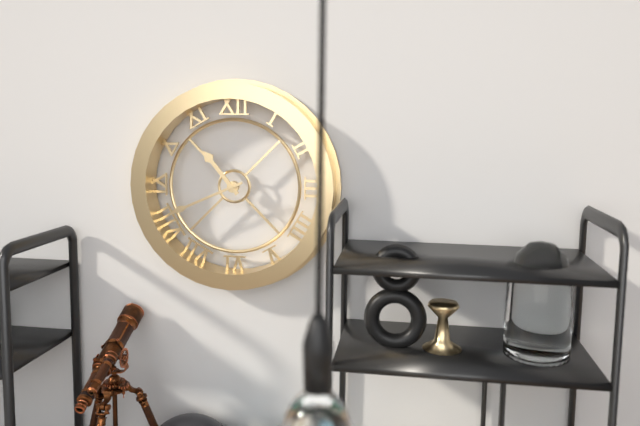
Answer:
10,41
